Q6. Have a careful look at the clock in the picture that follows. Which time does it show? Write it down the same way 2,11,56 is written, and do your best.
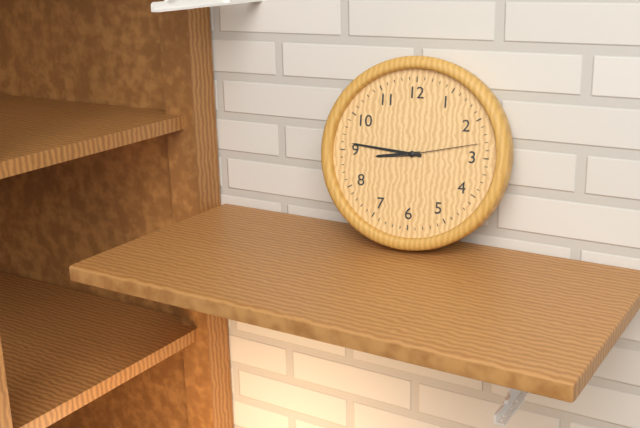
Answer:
8,46,13
